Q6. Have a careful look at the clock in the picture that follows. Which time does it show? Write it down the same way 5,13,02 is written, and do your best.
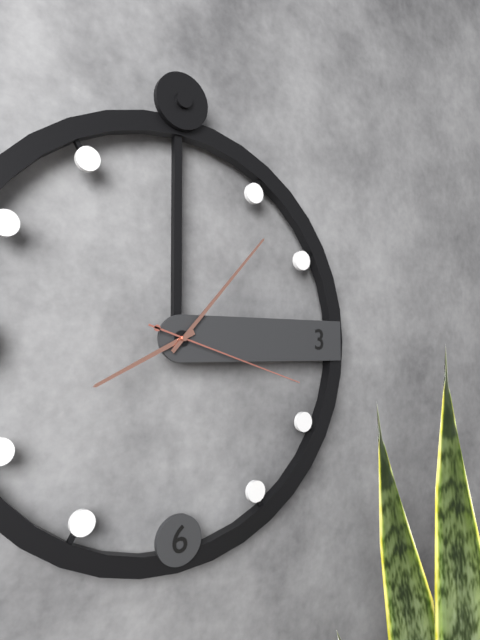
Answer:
8,07,18
